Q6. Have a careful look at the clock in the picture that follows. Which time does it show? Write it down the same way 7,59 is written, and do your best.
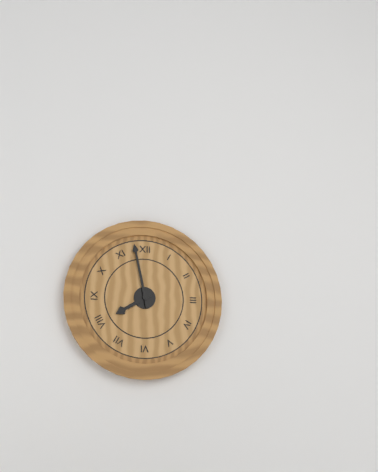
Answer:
7,58
